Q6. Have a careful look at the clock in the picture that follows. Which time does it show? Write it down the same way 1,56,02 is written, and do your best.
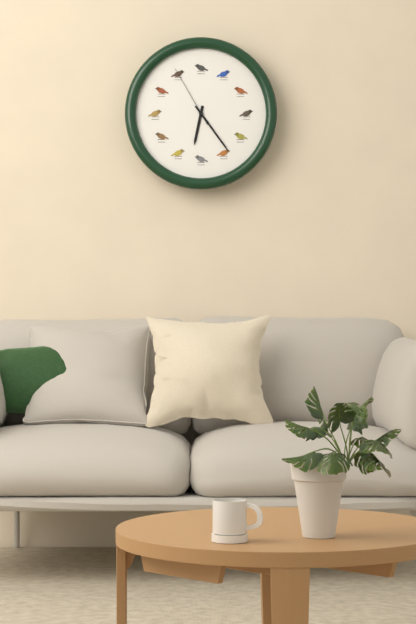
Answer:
6,24,55
